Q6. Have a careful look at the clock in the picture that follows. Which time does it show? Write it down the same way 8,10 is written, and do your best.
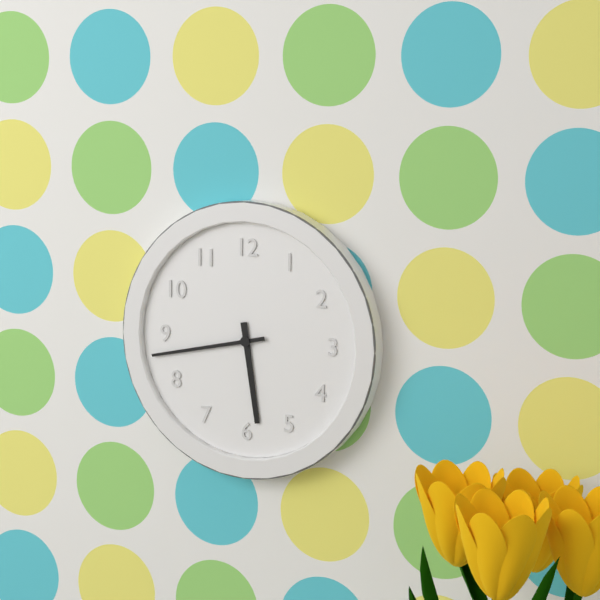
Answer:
5,43
